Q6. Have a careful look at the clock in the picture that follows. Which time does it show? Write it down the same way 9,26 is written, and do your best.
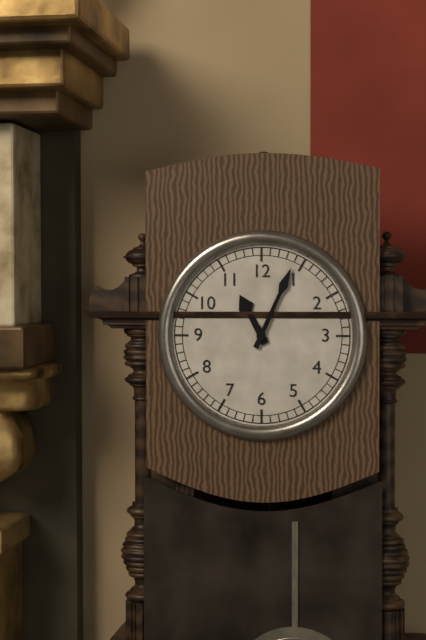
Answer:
11,04
